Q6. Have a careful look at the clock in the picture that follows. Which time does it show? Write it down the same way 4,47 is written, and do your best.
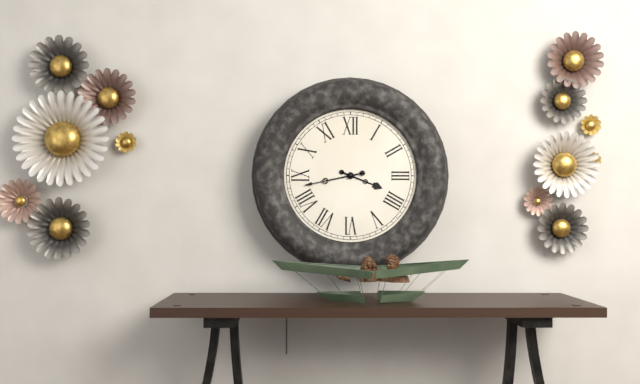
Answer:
3,43
